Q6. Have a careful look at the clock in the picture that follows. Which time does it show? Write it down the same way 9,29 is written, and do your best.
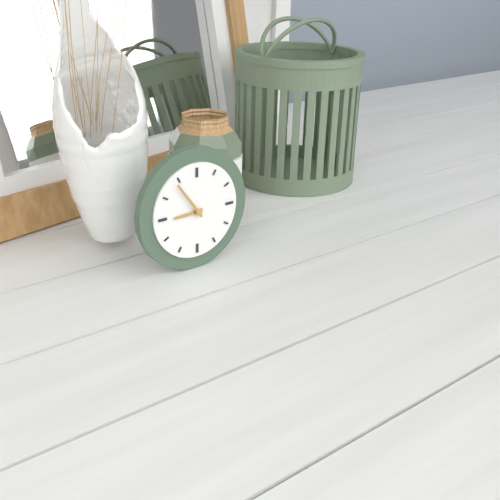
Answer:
8,54
